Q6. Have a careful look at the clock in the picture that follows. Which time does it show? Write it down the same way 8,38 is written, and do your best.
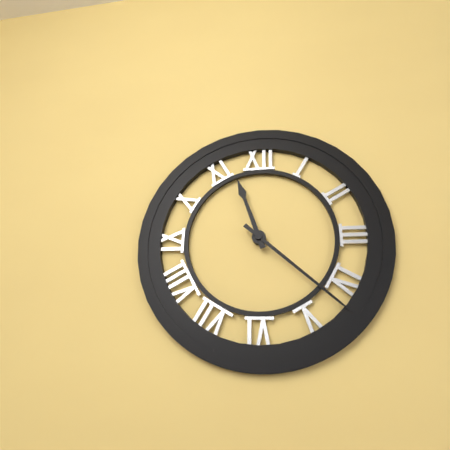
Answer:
11,22
